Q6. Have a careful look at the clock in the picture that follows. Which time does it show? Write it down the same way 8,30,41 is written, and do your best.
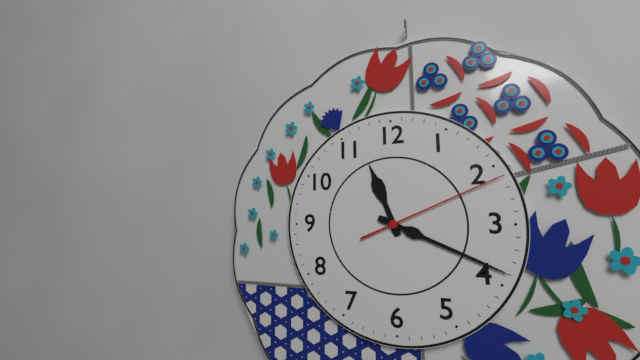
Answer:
11,19,11
